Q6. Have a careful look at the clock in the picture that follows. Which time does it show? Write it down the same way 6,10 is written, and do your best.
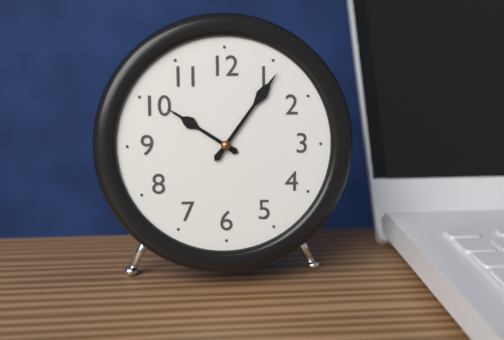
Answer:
10,06
